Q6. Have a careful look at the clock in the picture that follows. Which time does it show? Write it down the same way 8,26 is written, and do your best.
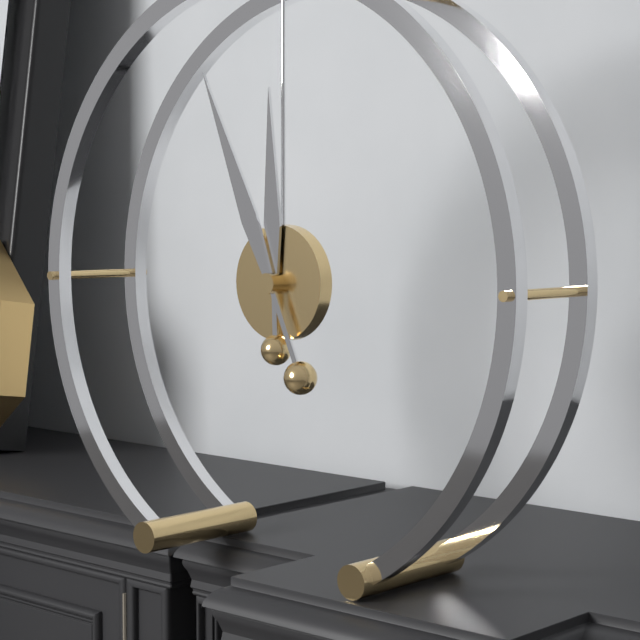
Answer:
11,56
